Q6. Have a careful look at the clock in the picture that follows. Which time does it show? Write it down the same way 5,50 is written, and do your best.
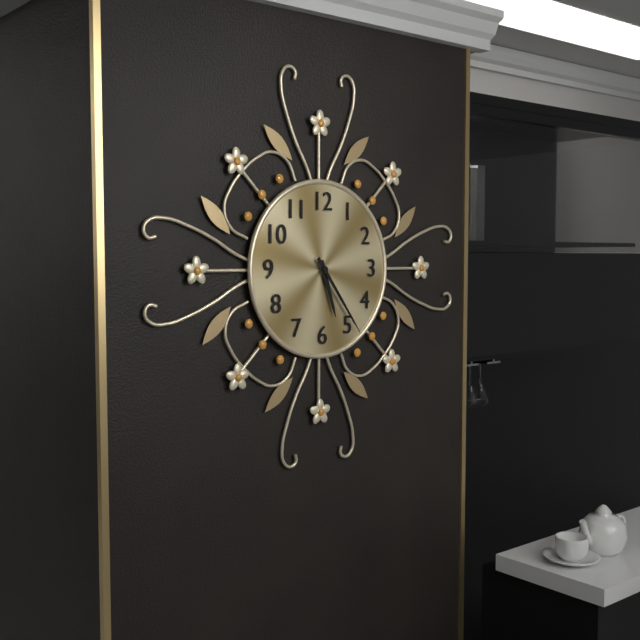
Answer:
5,24
